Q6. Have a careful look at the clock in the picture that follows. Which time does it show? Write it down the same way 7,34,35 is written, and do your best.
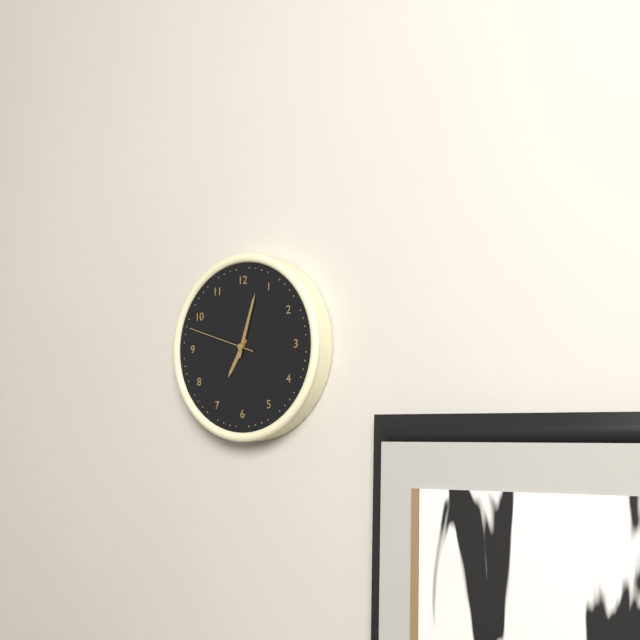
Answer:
7,03,48
